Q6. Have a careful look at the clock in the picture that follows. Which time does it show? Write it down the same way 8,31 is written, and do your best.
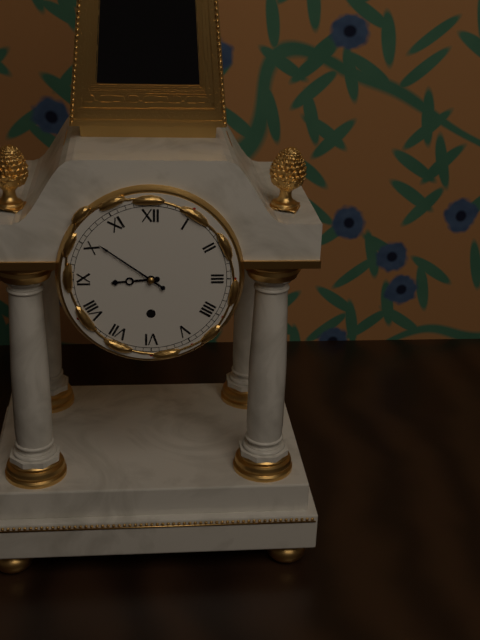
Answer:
8,51
